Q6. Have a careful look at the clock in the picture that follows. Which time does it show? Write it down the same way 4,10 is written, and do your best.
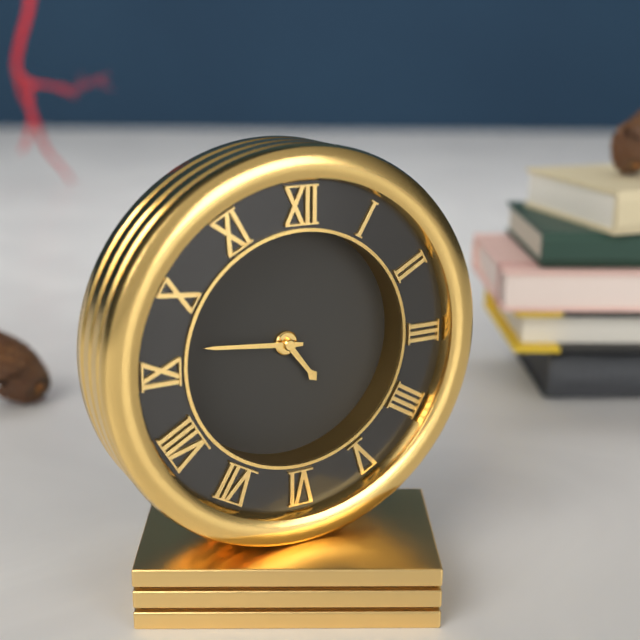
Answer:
4,46
